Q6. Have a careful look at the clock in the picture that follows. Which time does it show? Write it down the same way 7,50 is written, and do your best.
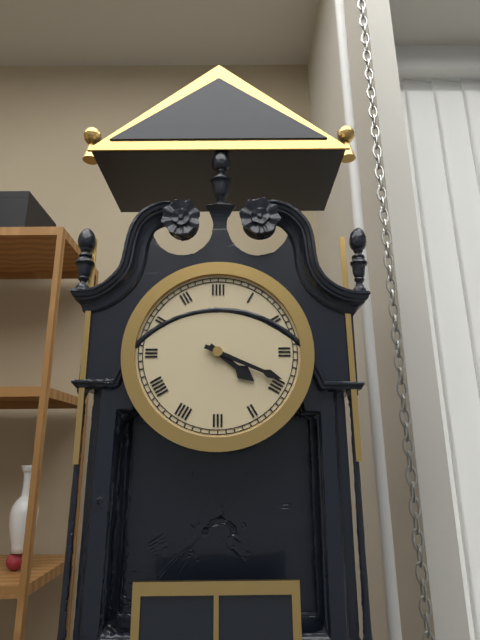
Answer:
4,19
